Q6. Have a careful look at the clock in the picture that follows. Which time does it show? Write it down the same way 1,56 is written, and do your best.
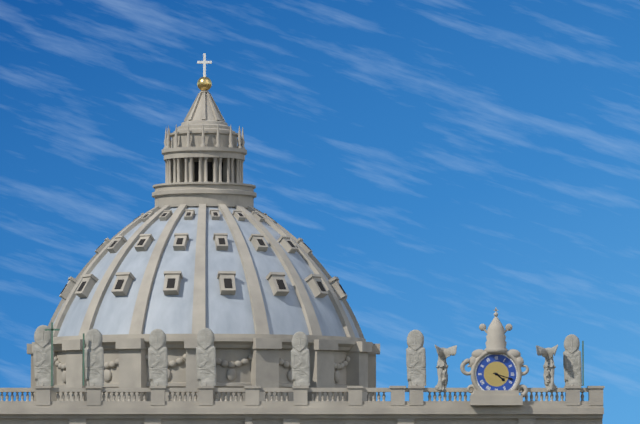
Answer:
4,18
